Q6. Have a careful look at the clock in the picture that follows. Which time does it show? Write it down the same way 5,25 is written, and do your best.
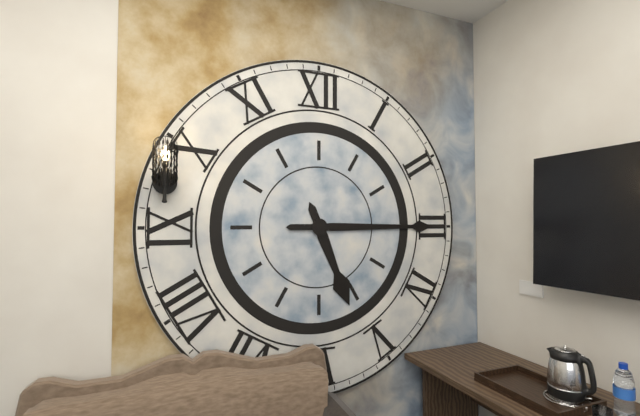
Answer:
5,15
